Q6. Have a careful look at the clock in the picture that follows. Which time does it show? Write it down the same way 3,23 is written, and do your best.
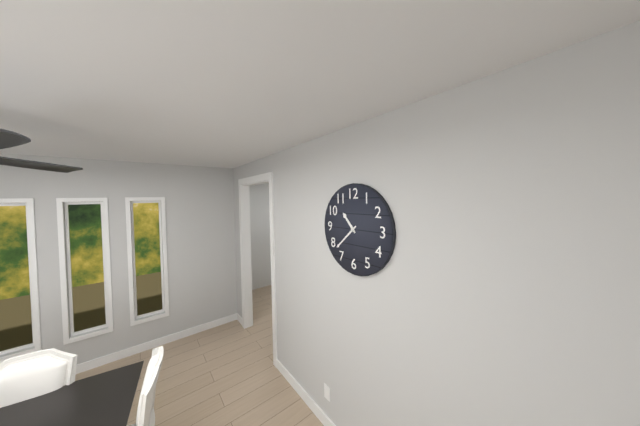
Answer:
10,38
